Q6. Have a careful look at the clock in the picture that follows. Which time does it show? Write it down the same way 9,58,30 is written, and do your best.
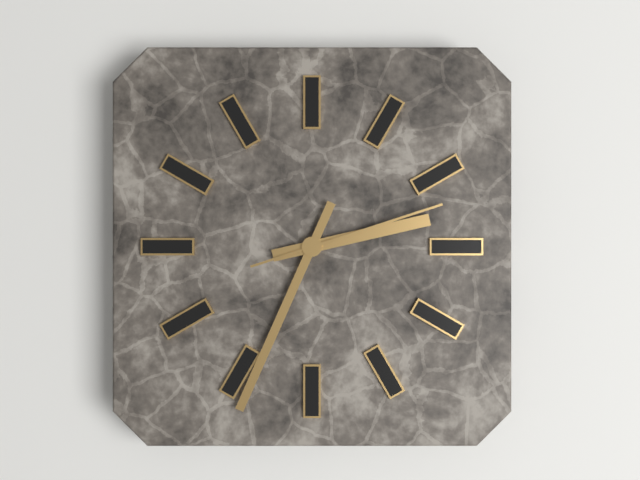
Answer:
2,34,12
